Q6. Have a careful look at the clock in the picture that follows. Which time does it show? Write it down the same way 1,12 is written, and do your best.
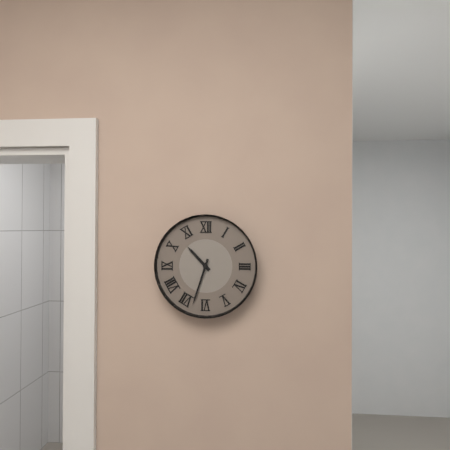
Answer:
10,33
